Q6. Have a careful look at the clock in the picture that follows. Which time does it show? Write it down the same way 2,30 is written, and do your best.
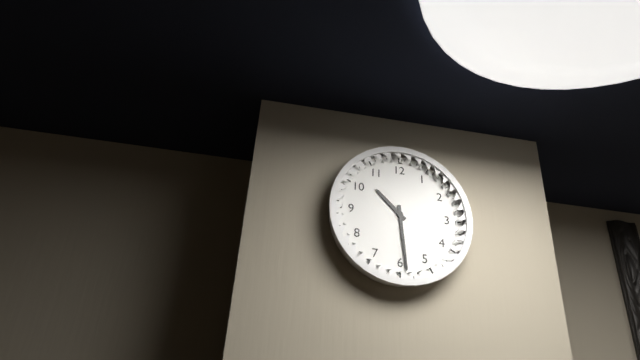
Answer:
10,29
